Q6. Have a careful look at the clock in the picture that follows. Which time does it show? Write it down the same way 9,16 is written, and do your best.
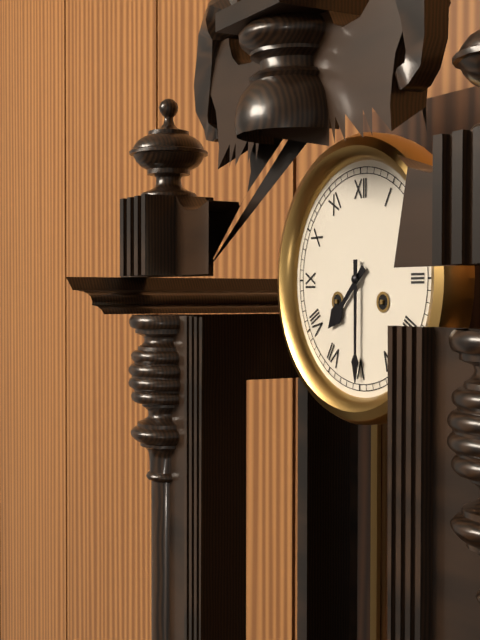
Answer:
7,30
